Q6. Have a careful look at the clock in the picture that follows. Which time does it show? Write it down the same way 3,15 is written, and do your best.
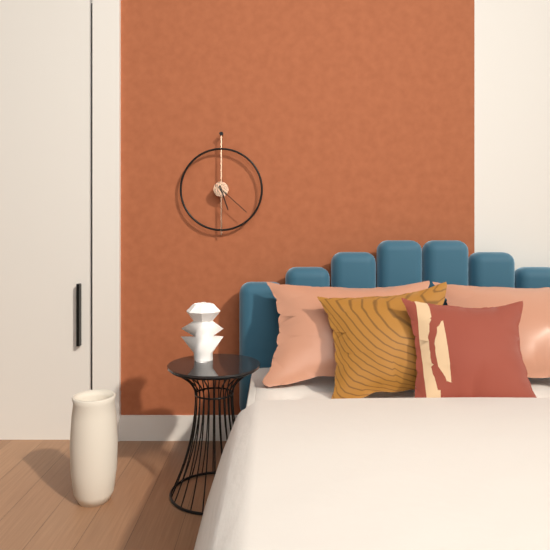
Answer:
5,22
